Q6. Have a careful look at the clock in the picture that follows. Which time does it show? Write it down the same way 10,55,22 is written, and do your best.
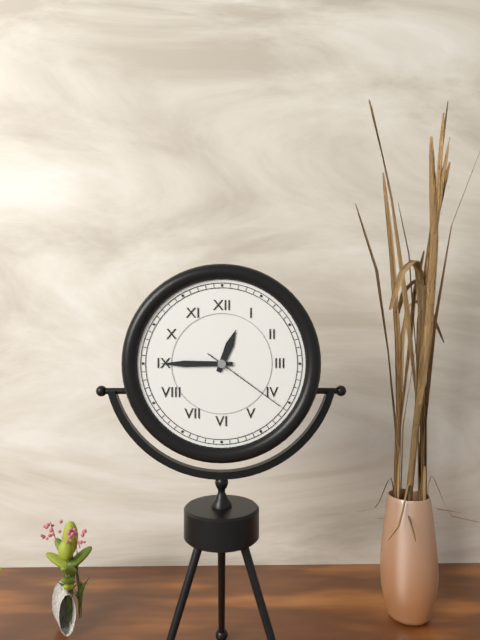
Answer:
12,45,21
